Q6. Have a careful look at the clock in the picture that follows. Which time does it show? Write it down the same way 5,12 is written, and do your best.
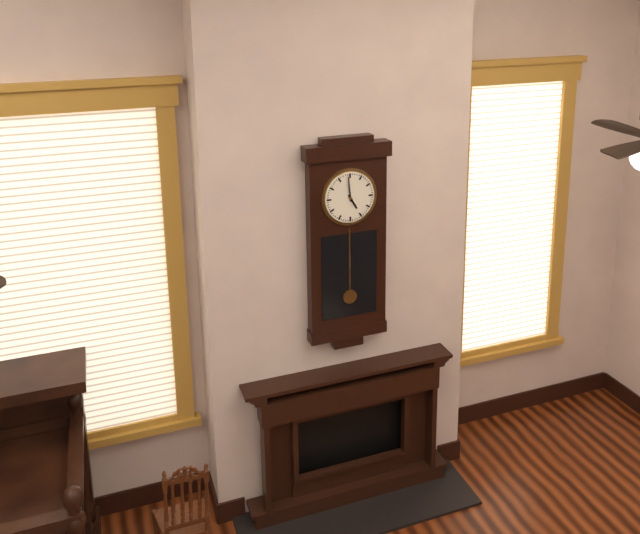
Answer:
4,59
